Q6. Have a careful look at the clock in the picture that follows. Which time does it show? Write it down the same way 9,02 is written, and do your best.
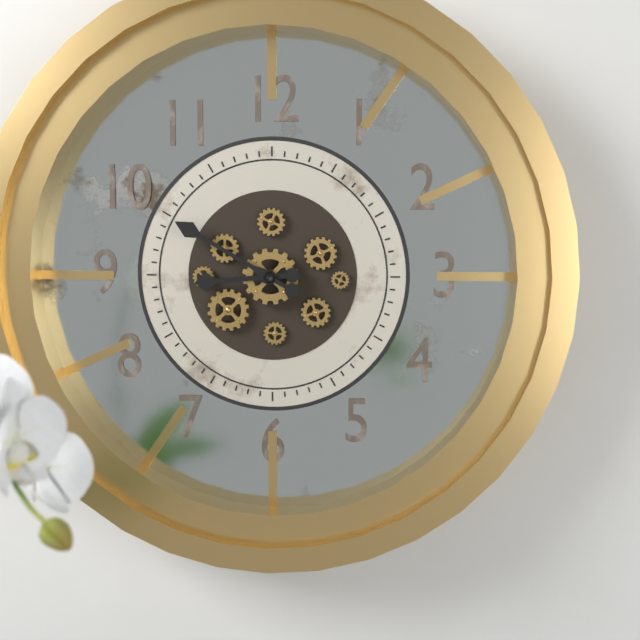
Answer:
8,50
